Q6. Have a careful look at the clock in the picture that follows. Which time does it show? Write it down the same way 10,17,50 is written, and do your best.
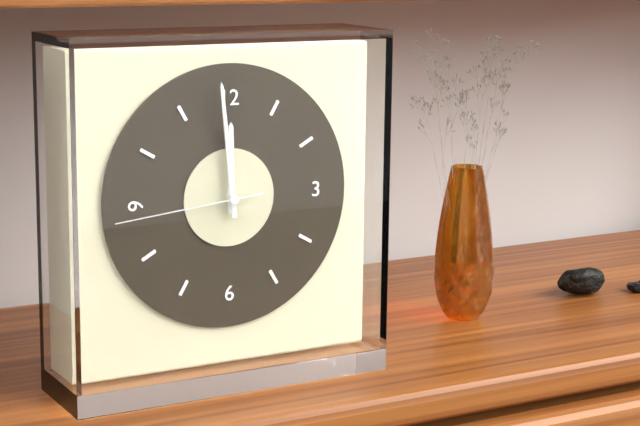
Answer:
11,59,44
